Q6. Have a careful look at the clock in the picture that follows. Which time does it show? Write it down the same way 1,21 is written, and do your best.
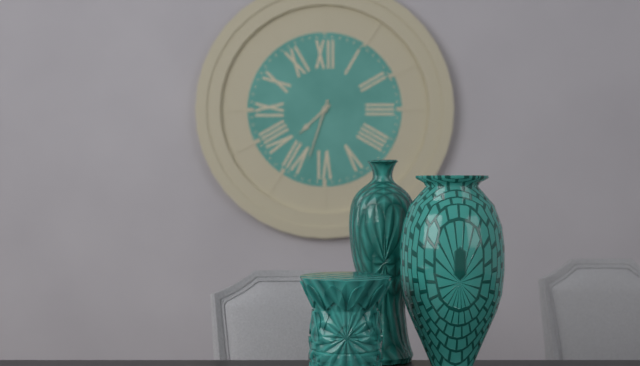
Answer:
7,33
